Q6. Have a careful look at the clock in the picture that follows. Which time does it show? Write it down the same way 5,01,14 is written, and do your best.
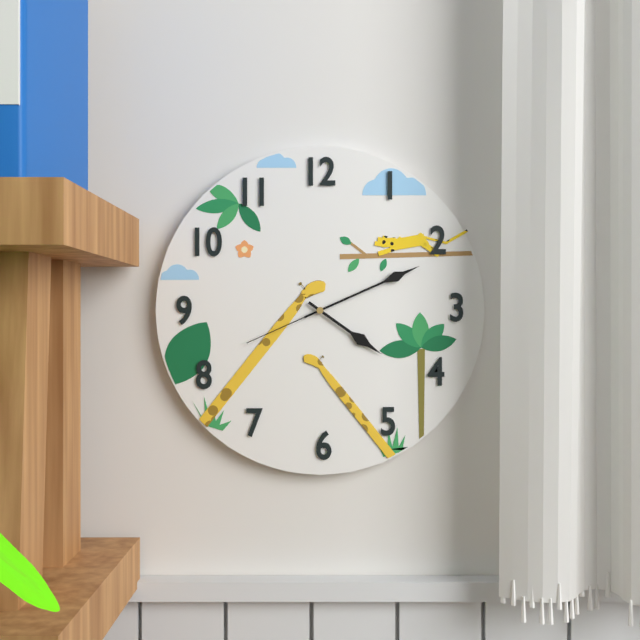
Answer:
4,11,41
